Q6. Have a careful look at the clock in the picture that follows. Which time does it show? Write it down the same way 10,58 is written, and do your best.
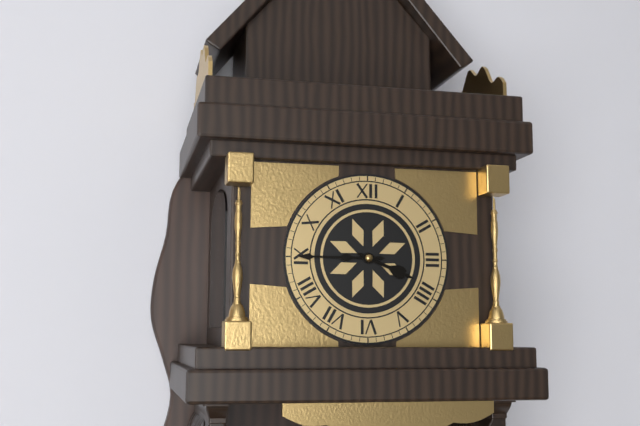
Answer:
3,45
